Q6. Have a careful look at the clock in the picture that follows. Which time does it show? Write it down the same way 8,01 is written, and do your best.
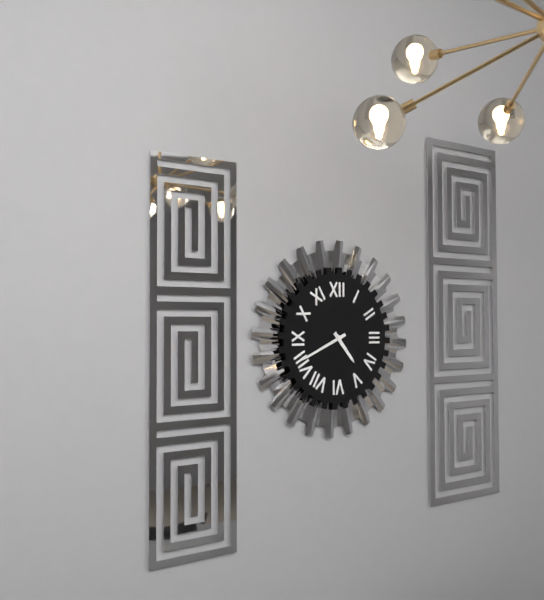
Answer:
4,41
